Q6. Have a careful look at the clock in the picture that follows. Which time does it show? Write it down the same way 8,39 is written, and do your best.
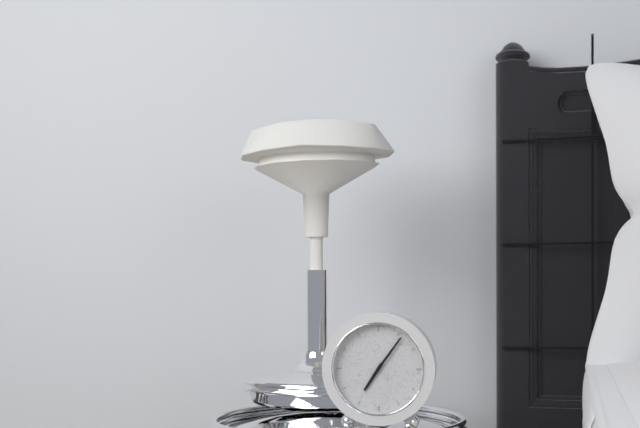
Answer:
7,06
